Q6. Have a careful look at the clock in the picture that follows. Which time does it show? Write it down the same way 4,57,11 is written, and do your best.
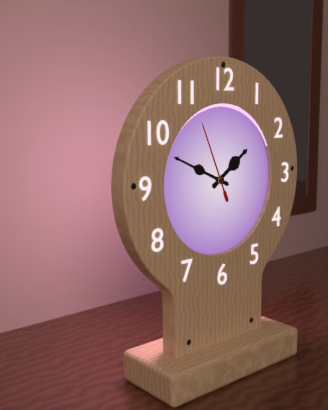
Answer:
1,49,56
